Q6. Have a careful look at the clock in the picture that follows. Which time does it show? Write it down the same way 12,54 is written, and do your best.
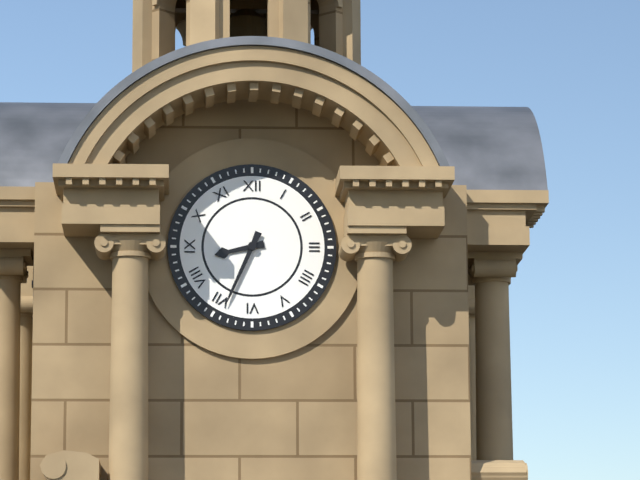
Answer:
8,34
